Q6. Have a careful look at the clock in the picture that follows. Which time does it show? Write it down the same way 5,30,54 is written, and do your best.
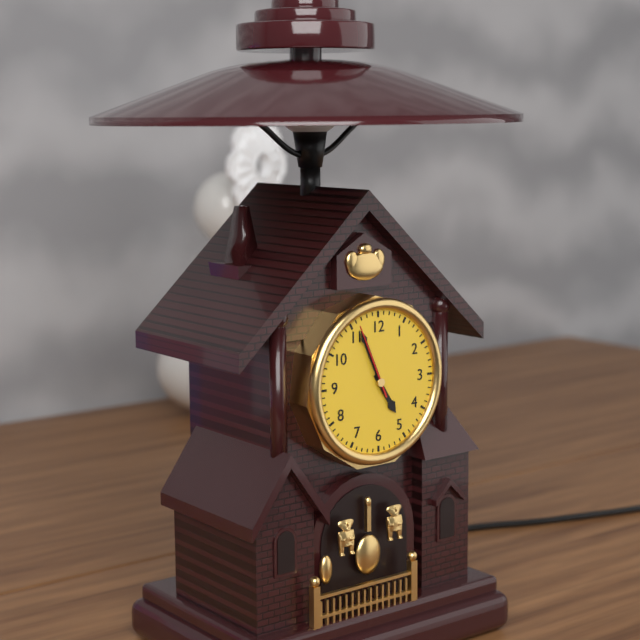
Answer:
4,56,56
